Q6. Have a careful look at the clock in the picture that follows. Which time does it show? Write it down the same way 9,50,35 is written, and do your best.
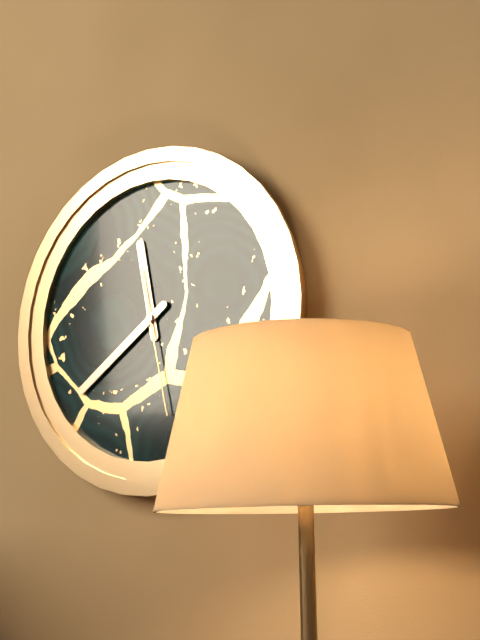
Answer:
11,39,28
